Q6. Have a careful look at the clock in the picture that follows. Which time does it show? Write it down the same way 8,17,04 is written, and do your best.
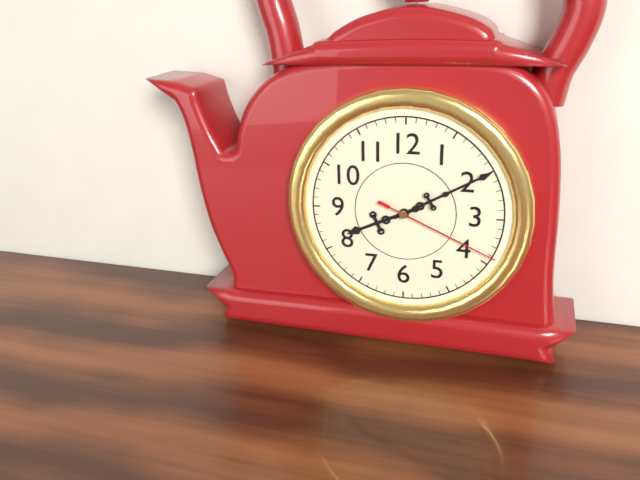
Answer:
8,10,19
